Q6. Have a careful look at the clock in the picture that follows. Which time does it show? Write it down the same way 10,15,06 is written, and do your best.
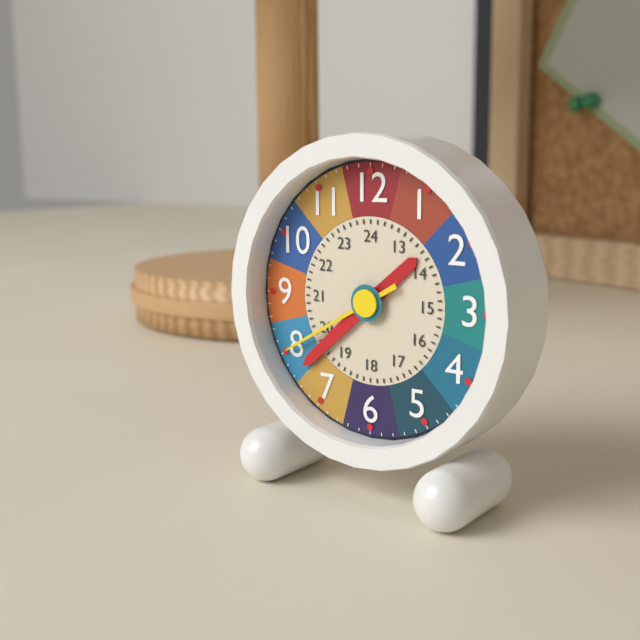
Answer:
1,38,40
